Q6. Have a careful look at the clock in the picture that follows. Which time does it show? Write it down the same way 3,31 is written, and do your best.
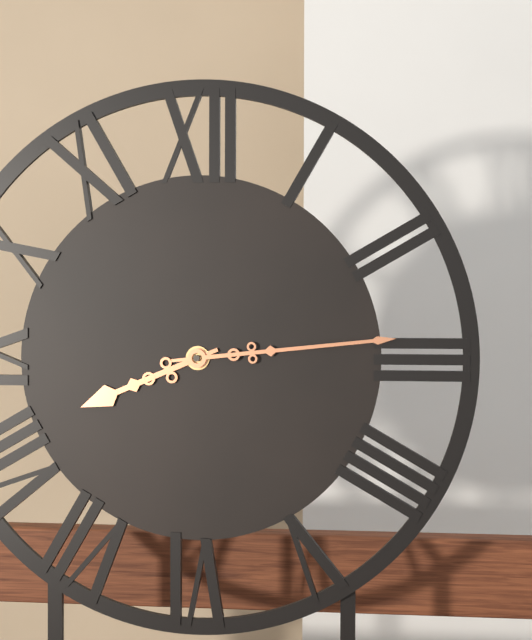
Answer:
8,14
